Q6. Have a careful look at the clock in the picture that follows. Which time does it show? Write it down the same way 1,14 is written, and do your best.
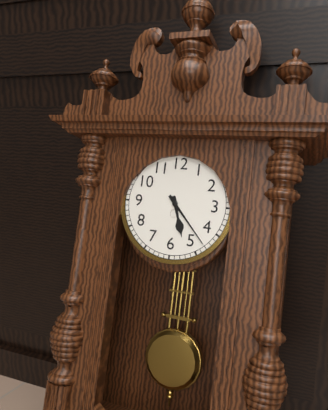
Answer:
5,23
